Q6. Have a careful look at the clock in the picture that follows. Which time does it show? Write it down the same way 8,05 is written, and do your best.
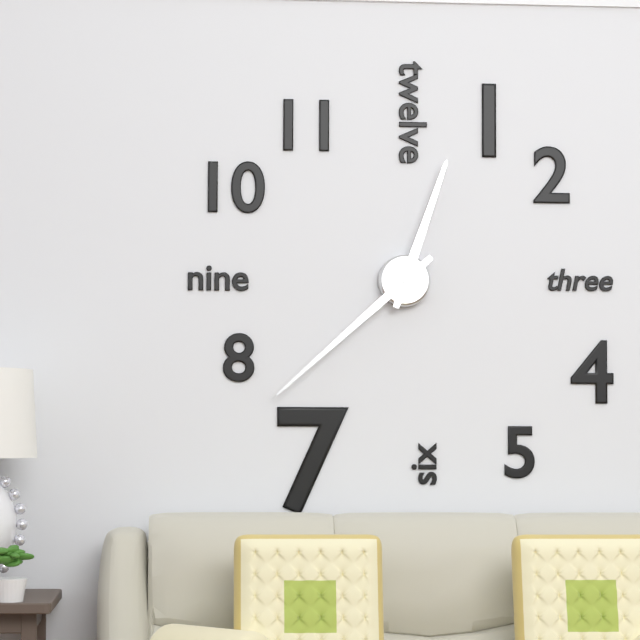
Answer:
12,38
